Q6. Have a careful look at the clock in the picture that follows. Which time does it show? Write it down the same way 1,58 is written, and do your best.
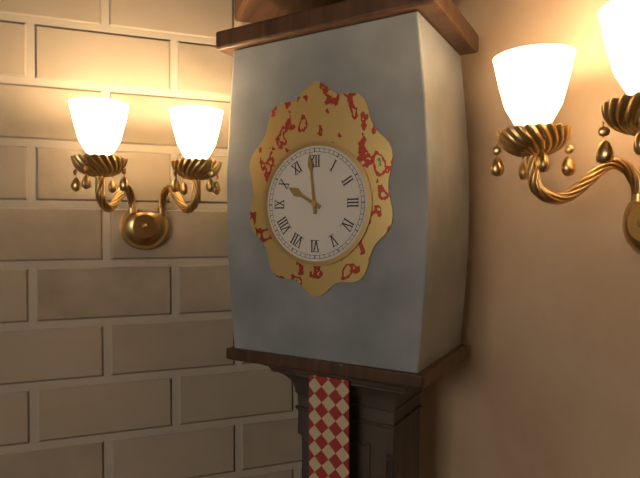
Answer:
9,59
